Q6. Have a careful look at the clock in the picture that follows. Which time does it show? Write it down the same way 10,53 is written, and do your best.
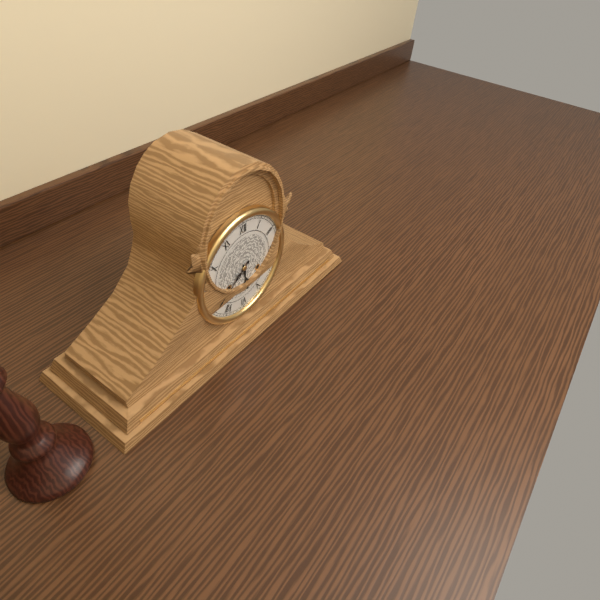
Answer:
5,39
